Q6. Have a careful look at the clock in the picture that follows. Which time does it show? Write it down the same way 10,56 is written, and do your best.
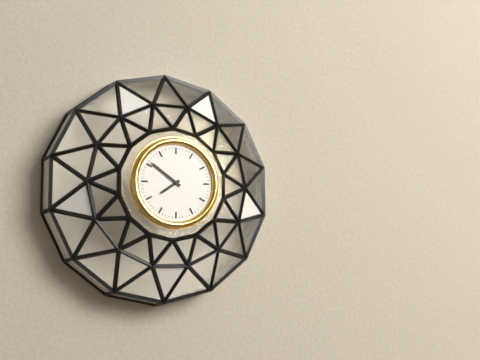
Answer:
7,51
